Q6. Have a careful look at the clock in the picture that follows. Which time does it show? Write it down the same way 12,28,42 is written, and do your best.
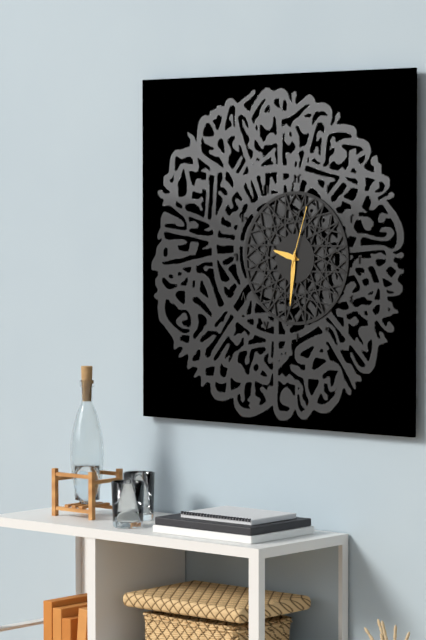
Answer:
9,31,03
